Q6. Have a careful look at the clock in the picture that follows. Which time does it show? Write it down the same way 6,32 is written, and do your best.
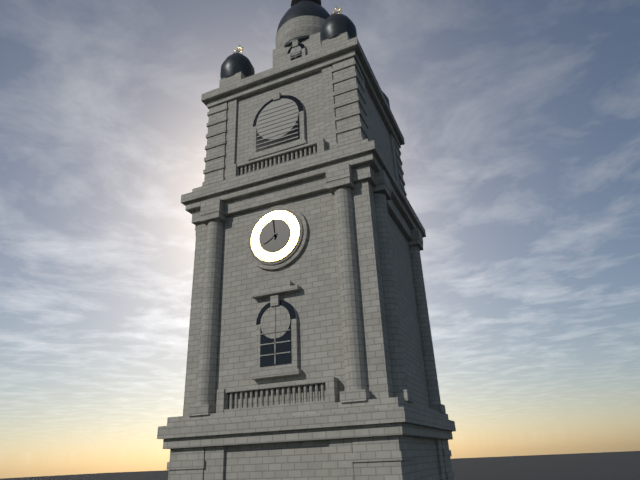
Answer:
7,59
